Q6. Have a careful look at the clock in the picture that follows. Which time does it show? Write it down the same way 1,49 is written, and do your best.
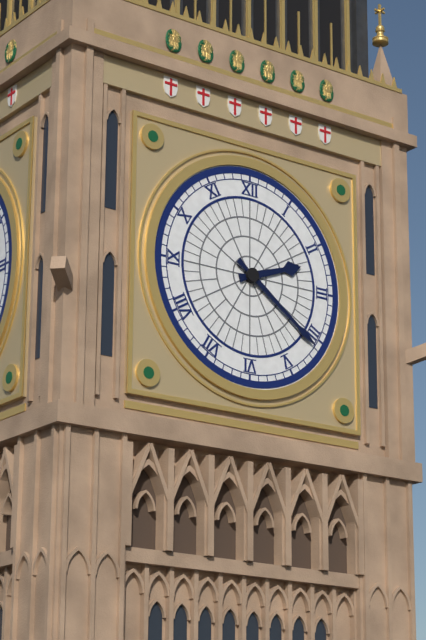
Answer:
2,21
